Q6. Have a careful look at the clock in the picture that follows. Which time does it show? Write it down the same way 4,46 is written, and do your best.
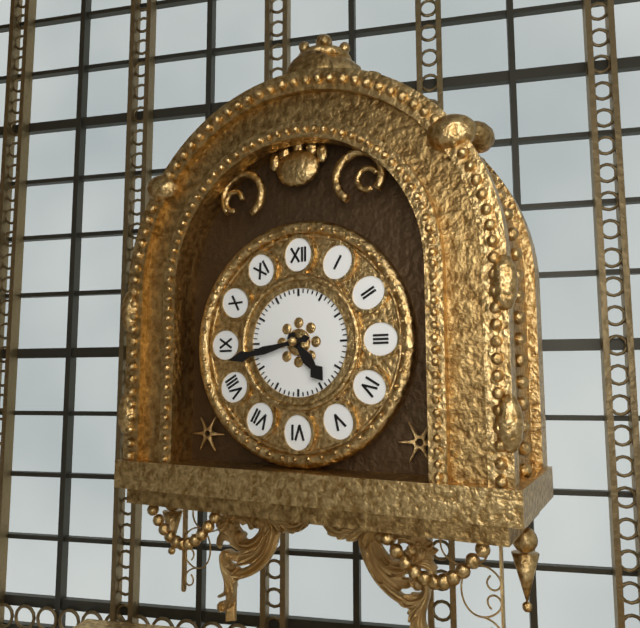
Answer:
4,43
